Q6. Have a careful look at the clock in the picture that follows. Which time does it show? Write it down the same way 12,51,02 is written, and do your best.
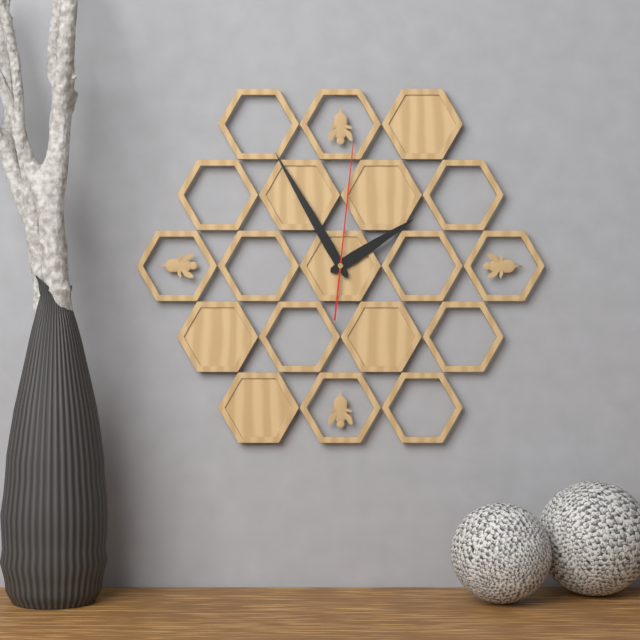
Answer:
1,55,01
